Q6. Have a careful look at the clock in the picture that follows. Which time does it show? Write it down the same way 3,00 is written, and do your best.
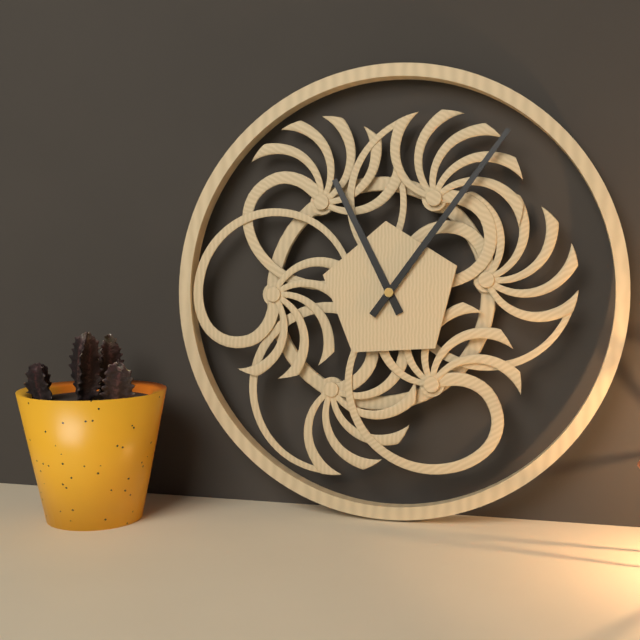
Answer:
11,06
